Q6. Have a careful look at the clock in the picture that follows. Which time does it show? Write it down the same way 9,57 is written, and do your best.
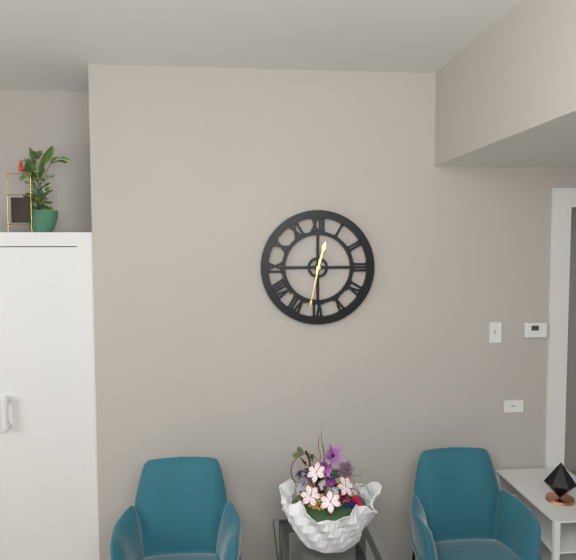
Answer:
12,32
